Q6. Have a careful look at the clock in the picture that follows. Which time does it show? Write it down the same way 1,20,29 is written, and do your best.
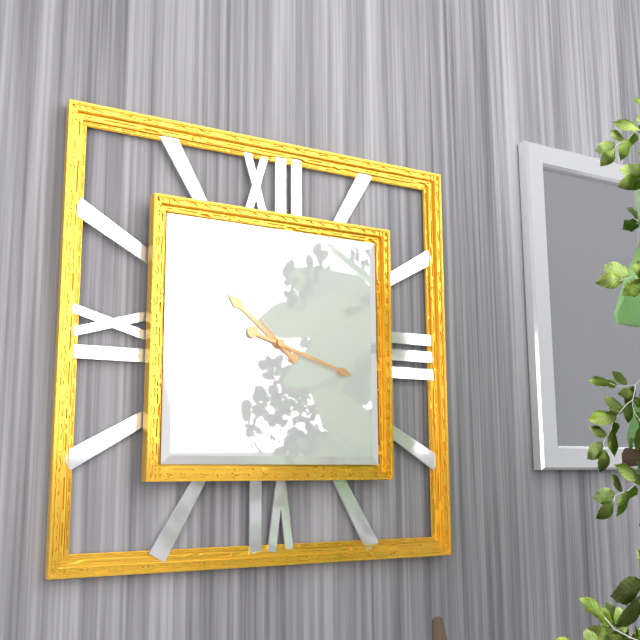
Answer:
10,18,53
